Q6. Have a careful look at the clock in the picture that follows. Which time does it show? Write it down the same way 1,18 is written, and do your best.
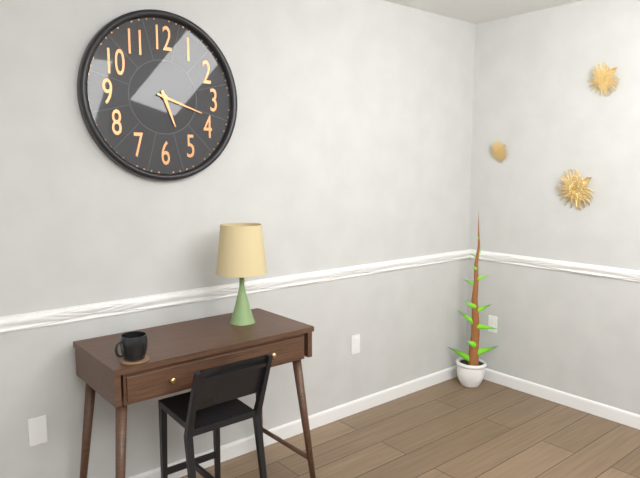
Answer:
5,18
